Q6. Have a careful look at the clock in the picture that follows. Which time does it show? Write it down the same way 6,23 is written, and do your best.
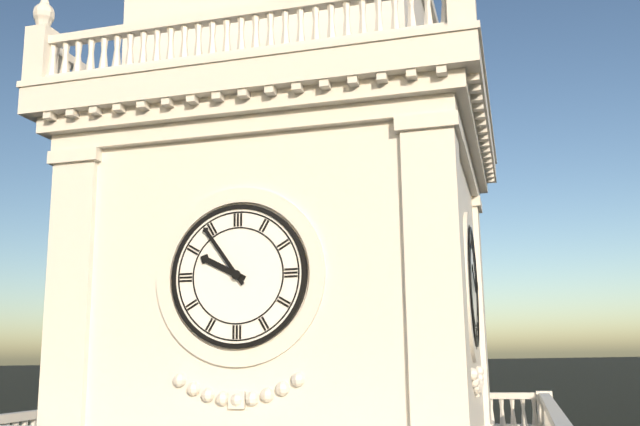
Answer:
9,54
